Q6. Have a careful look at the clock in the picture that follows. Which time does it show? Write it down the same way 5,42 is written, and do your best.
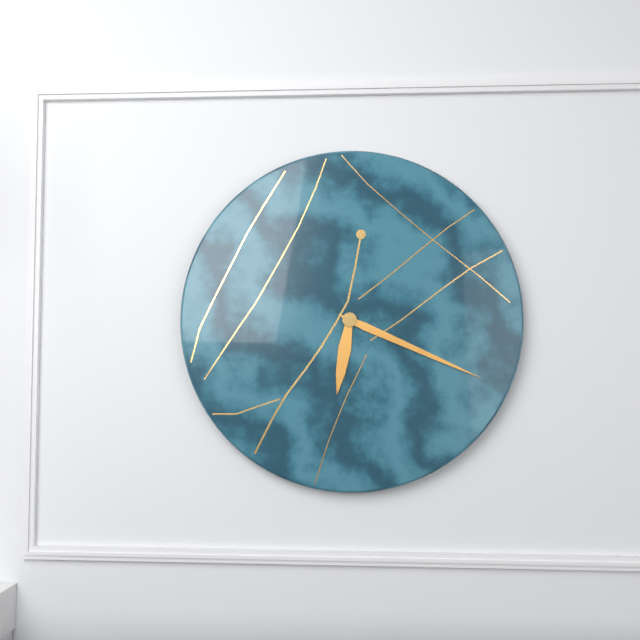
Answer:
6,19
